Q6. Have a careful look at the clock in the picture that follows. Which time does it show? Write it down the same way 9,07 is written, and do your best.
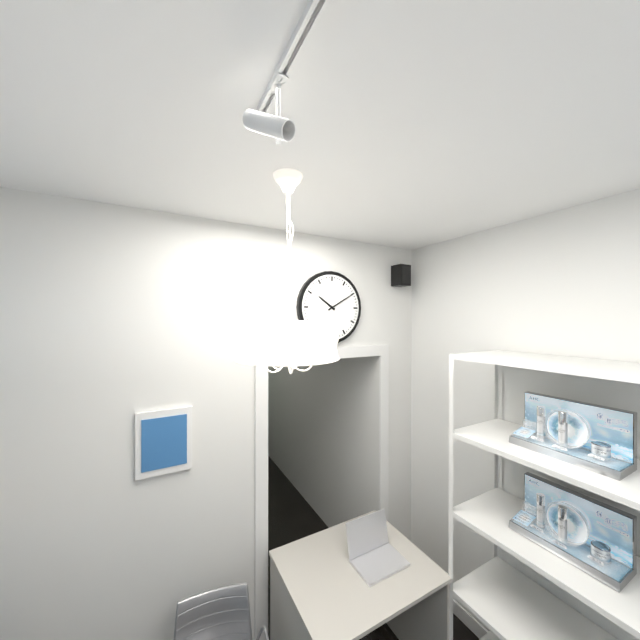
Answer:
10,10
